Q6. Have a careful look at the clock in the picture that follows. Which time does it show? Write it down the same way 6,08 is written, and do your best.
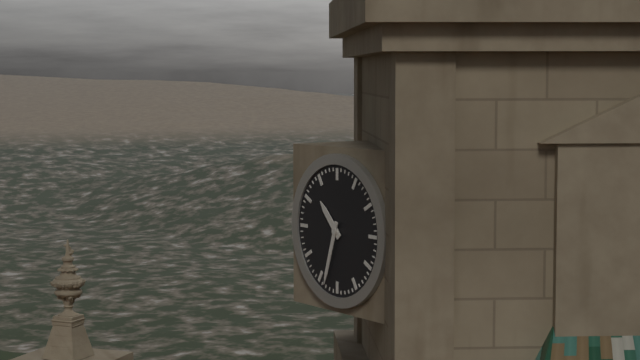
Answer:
10,33
